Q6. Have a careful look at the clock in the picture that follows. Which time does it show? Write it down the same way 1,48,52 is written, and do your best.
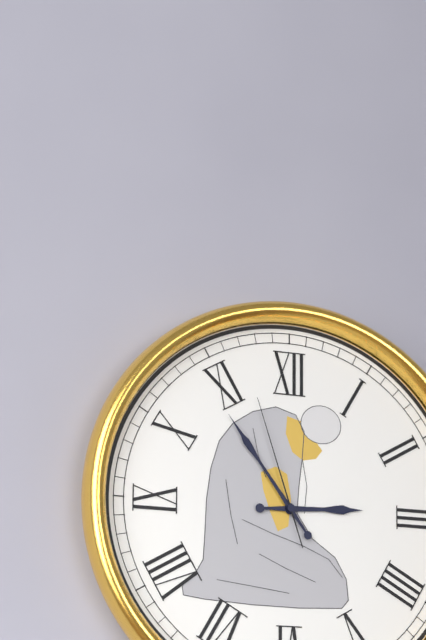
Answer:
2,54,57
